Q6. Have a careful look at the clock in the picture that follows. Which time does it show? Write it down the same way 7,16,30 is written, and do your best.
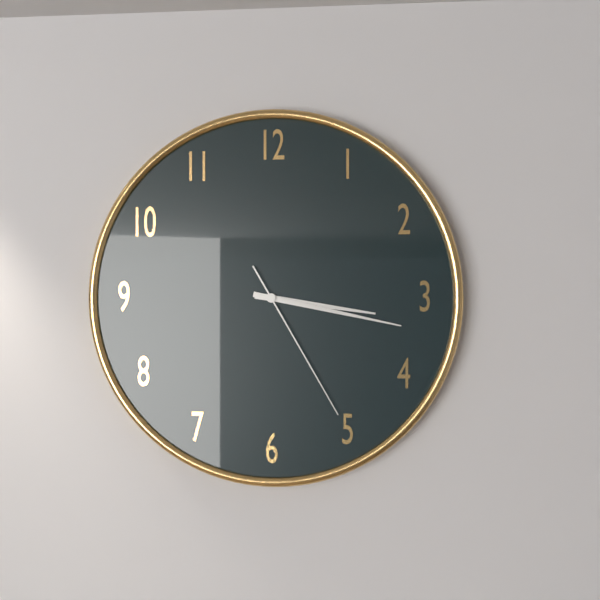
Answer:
3,17,25
